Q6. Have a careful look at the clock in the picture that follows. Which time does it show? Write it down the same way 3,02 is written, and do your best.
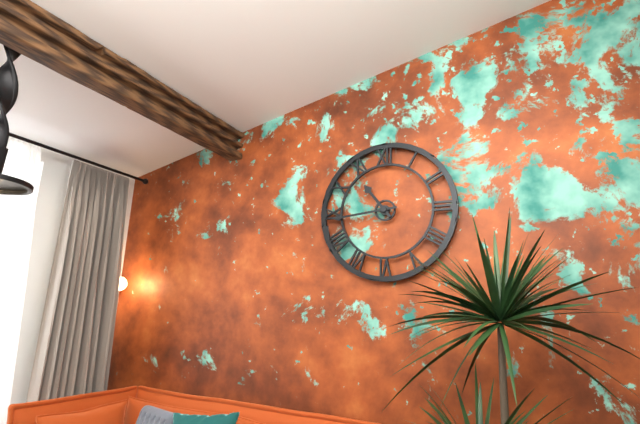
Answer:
10,44
